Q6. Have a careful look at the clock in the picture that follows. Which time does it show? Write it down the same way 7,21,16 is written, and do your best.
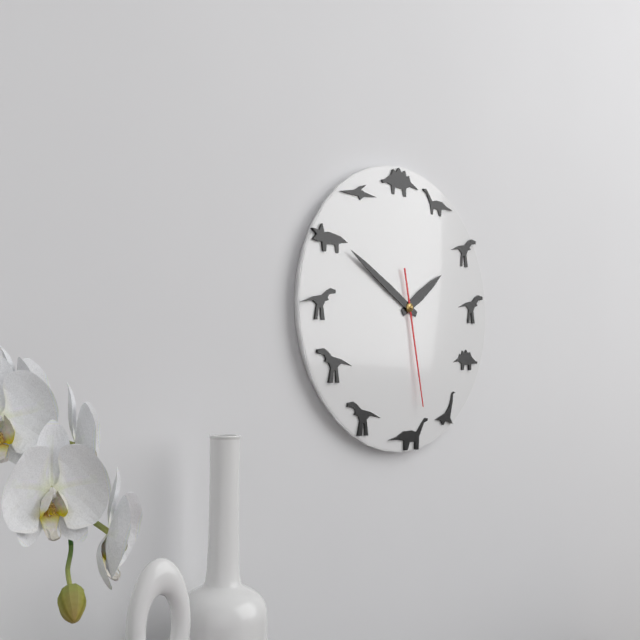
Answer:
1,50,28
